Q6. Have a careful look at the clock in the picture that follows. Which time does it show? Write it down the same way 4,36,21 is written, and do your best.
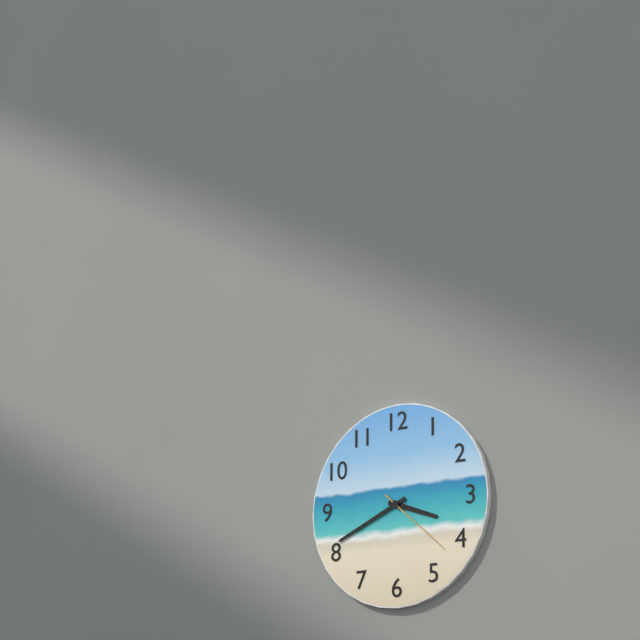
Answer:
3,41,22
